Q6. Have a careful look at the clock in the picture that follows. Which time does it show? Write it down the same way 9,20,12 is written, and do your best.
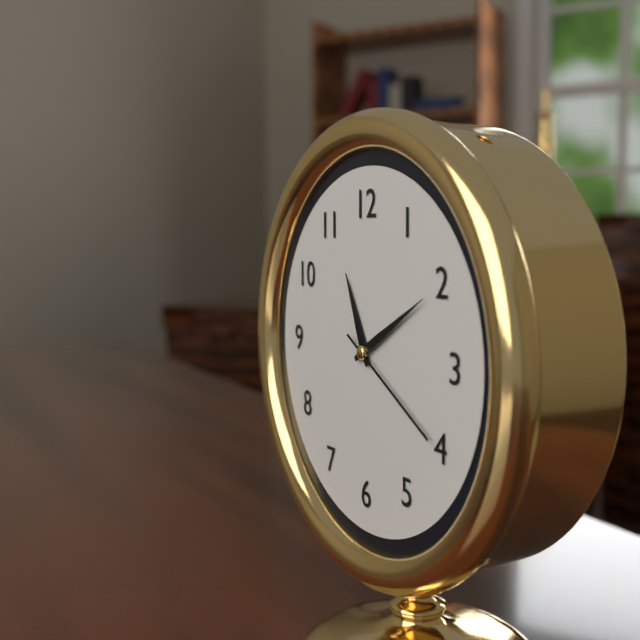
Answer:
11,10,20
